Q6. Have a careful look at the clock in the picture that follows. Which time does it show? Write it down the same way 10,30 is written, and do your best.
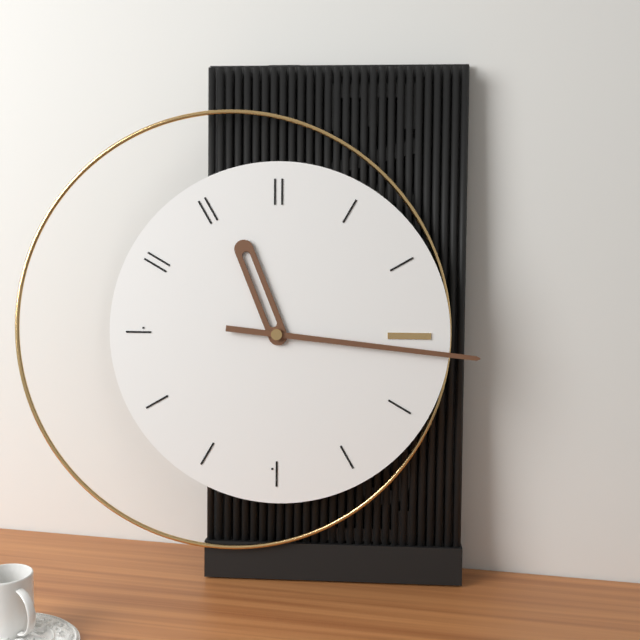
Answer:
11,16
